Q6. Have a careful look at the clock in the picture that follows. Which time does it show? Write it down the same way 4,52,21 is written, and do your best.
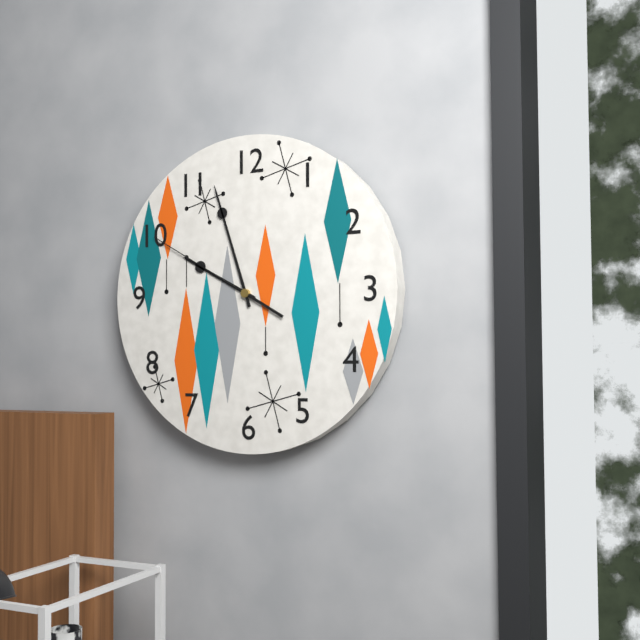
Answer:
9,57,50
